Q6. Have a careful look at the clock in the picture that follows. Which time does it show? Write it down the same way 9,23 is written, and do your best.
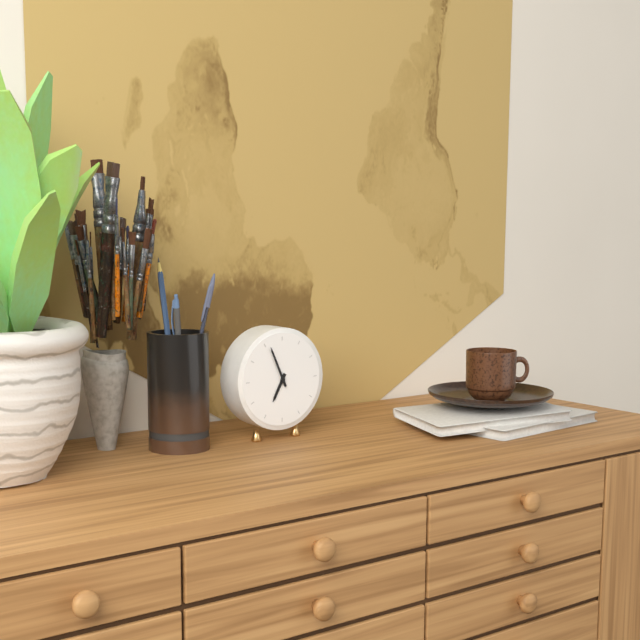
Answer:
6,56
